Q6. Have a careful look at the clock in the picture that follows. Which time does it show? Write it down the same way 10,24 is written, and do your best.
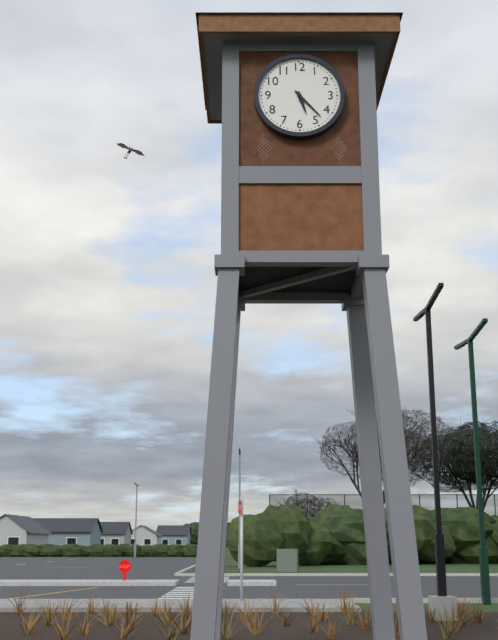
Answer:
5,23
